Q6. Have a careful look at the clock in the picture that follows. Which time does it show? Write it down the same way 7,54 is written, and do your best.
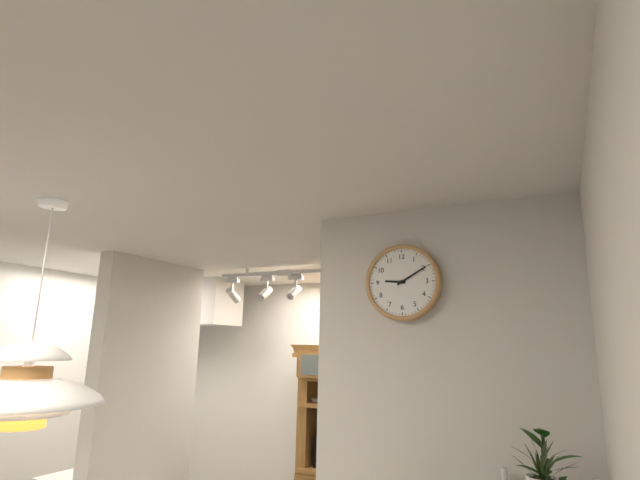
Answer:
9,10
